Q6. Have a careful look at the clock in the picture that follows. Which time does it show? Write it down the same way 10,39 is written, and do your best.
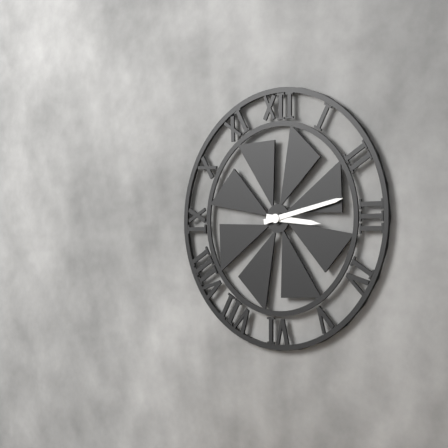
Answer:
3,13
